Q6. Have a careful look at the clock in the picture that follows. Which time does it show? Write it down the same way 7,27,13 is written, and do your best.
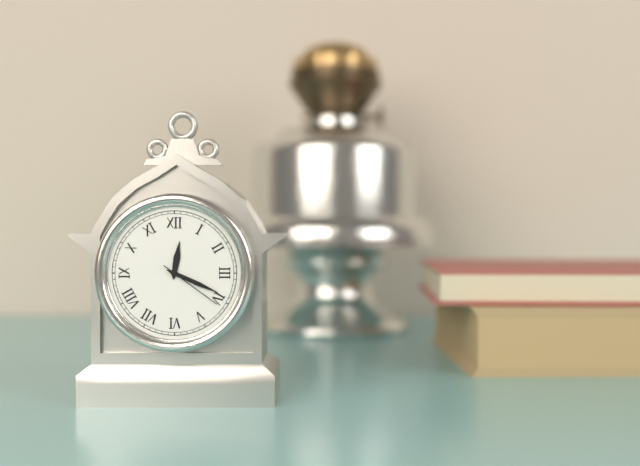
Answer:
12,19,21
